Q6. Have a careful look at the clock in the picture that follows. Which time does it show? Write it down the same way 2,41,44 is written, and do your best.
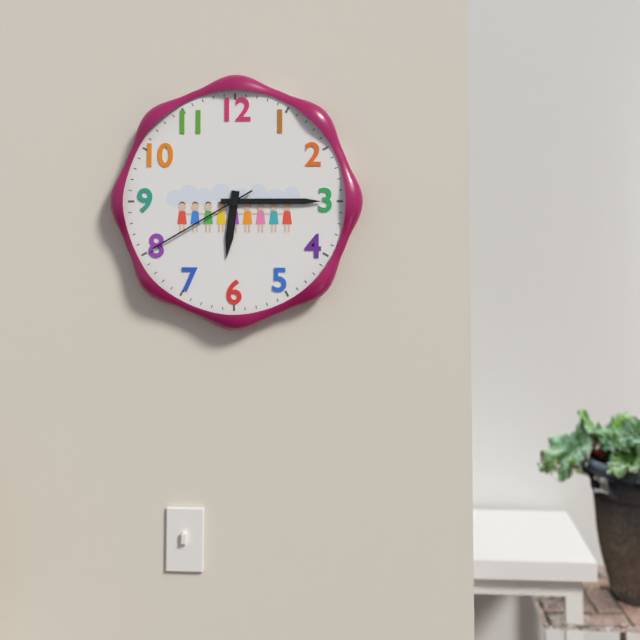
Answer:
6,15,40
